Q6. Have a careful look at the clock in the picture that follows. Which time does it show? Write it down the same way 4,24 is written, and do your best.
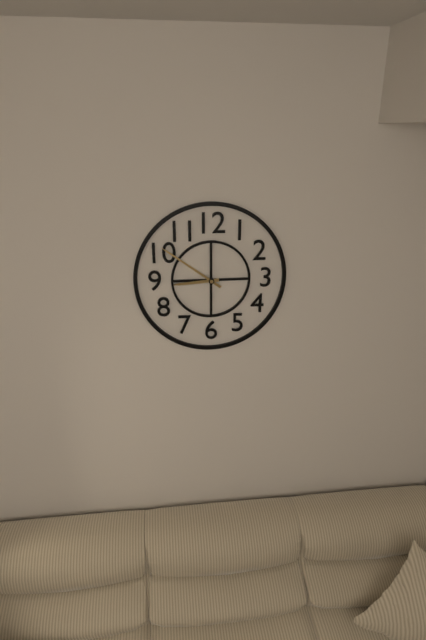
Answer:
8,51
